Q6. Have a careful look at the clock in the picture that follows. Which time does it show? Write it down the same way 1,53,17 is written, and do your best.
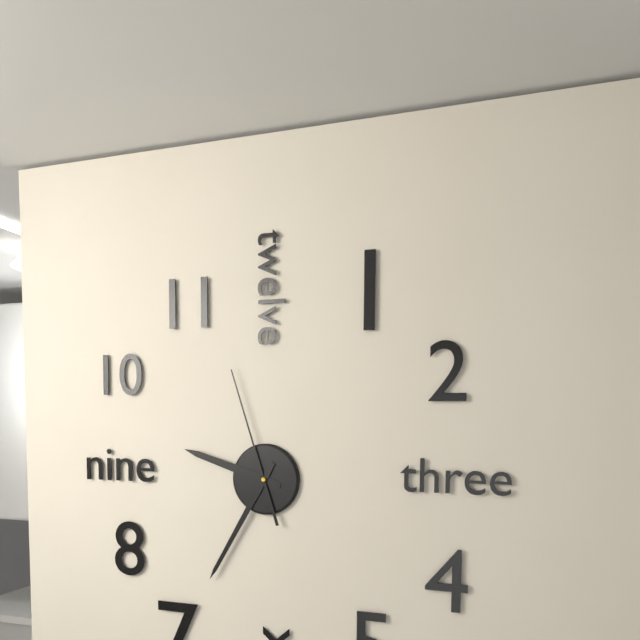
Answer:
9,35,57
